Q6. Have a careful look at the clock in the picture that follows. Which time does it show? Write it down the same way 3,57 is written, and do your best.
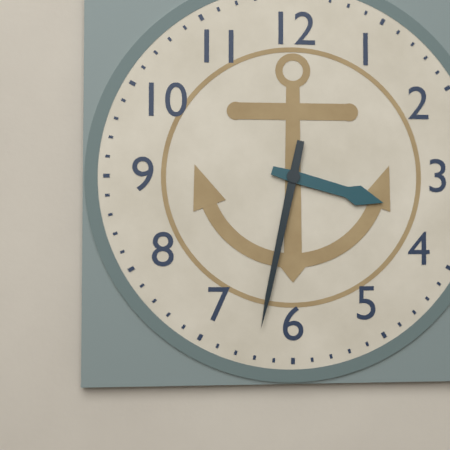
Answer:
3,32
